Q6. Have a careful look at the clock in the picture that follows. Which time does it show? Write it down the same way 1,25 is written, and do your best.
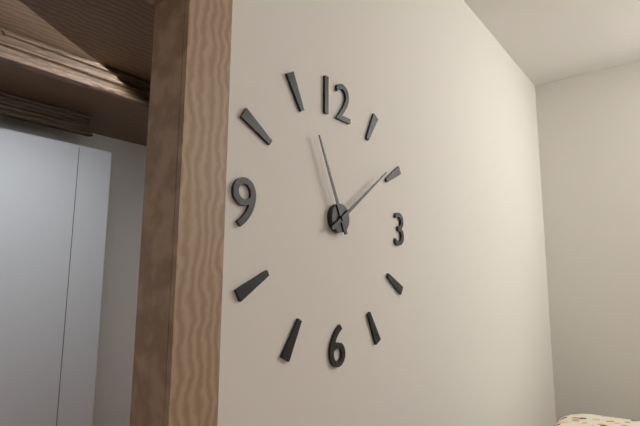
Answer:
11,09
